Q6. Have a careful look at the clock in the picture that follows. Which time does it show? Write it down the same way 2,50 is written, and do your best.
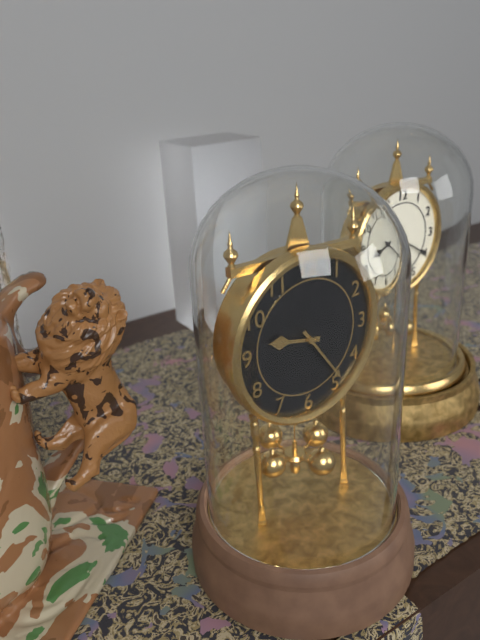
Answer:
9,24
